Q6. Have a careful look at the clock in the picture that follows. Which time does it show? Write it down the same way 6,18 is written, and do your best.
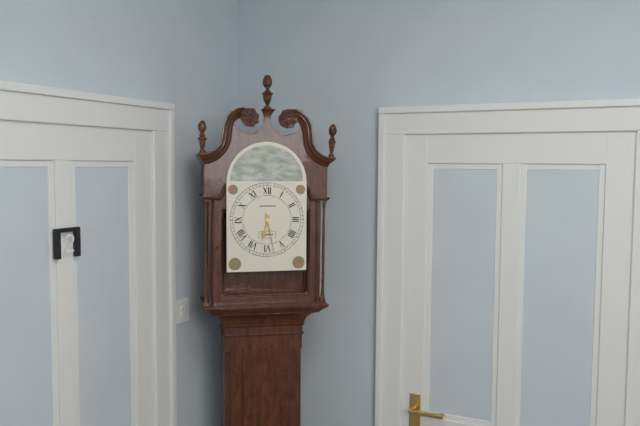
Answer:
6,28
